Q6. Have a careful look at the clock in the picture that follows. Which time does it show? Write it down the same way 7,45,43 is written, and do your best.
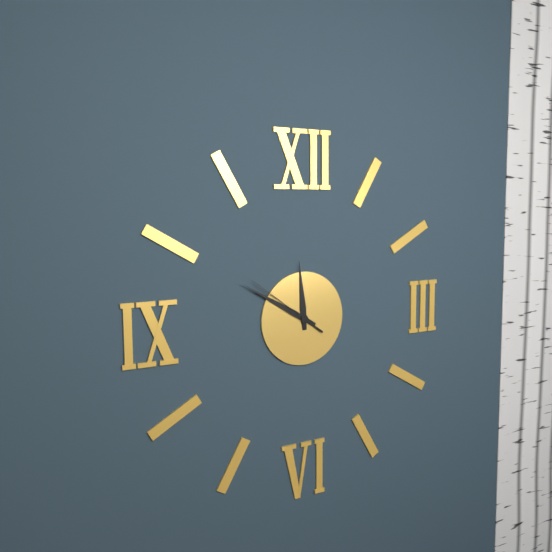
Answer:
11,50,51
